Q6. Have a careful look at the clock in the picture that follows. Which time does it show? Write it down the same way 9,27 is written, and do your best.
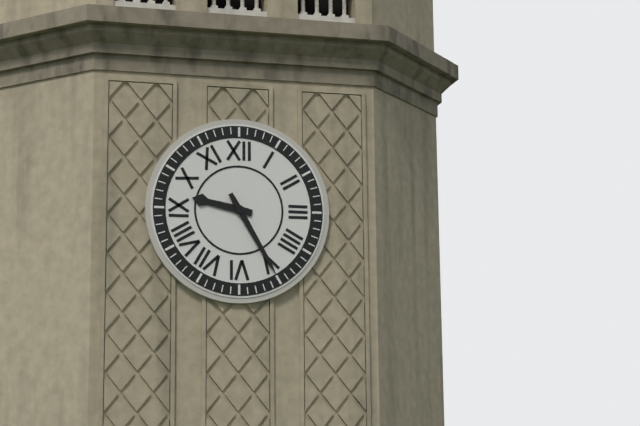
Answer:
9,25
